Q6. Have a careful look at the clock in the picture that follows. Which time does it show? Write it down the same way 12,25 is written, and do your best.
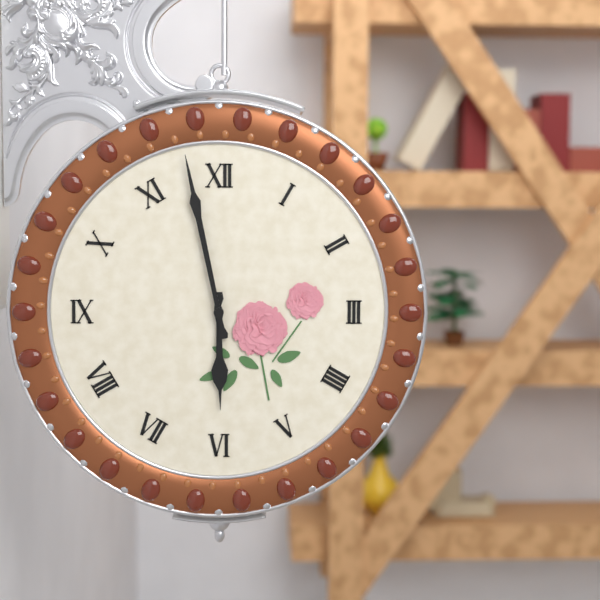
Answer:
5,58
